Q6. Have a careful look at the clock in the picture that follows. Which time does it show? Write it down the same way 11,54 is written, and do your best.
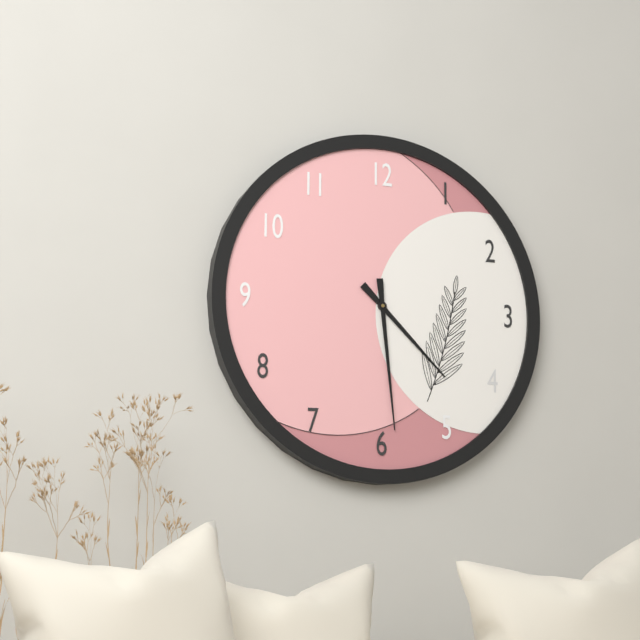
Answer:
4,29
